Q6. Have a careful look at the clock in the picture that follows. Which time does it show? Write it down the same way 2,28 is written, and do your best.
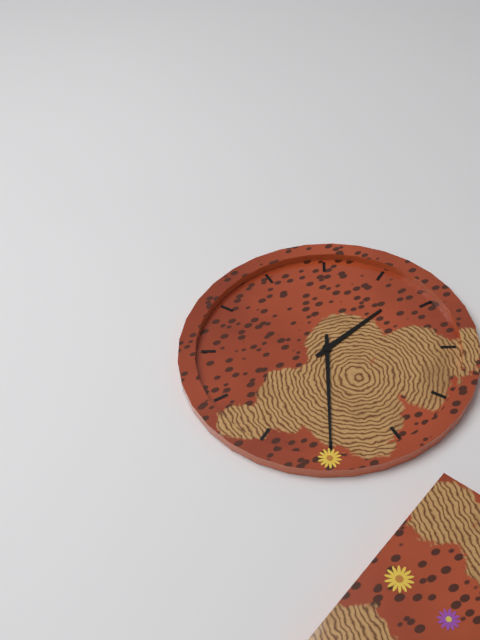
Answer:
2,35
